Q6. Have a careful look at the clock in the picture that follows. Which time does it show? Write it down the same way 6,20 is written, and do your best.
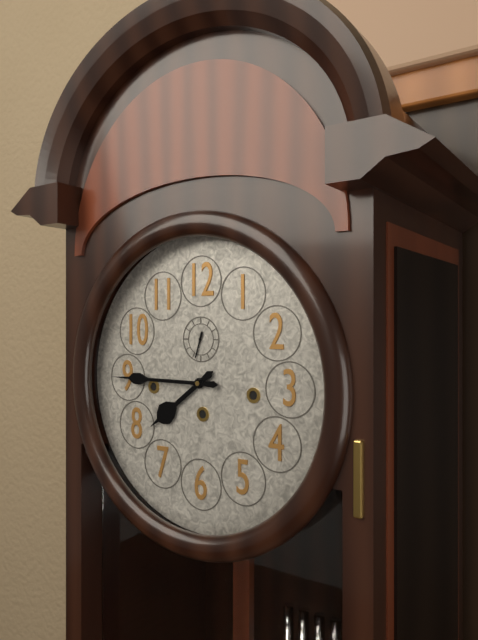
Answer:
7,45
